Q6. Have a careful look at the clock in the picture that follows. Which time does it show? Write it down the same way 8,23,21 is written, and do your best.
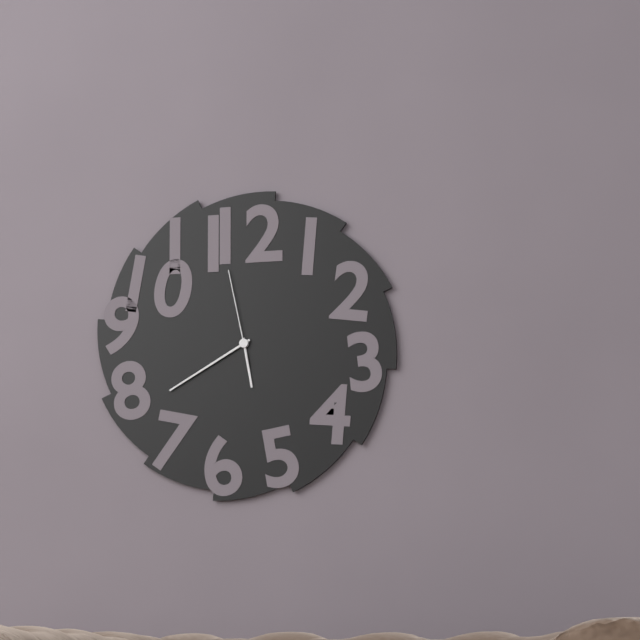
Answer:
5,40,58
